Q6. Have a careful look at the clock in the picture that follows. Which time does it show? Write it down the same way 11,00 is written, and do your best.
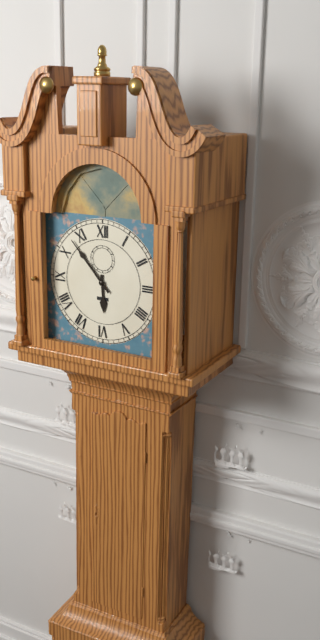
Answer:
5,53
